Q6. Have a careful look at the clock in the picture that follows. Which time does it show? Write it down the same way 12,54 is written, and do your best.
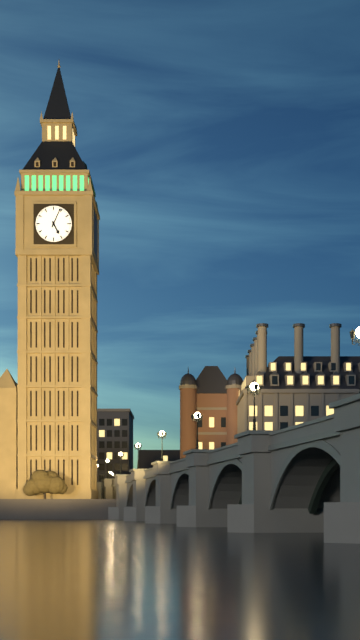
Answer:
5,04
